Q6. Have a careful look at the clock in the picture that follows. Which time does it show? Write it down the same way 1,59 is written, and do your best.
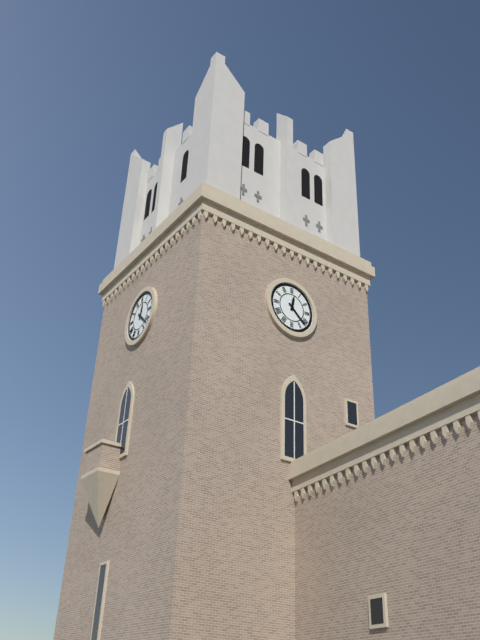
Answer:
12,22
